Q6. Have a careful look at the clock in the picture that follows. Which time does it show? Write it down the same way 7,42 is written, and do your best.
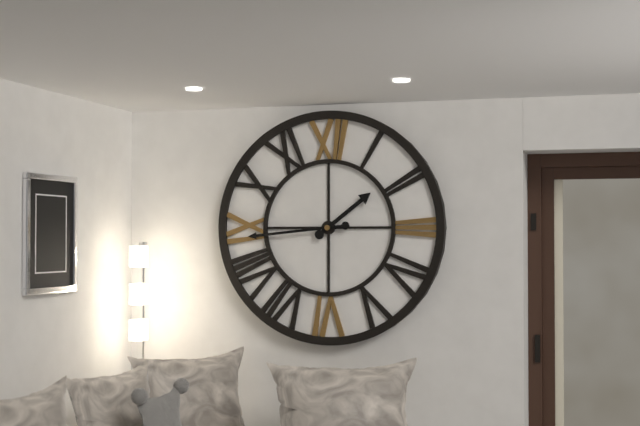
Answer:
1,44
